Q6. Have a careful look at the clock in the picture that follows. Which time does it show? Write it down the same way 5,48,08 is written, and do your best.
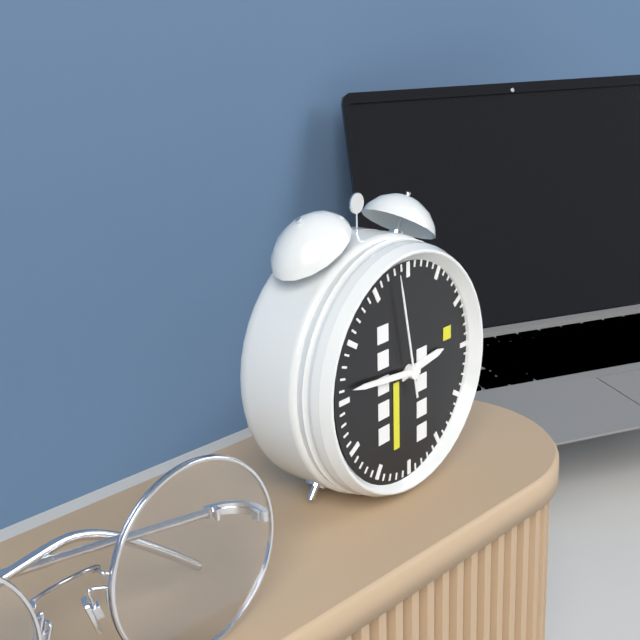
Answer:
2,46,58
